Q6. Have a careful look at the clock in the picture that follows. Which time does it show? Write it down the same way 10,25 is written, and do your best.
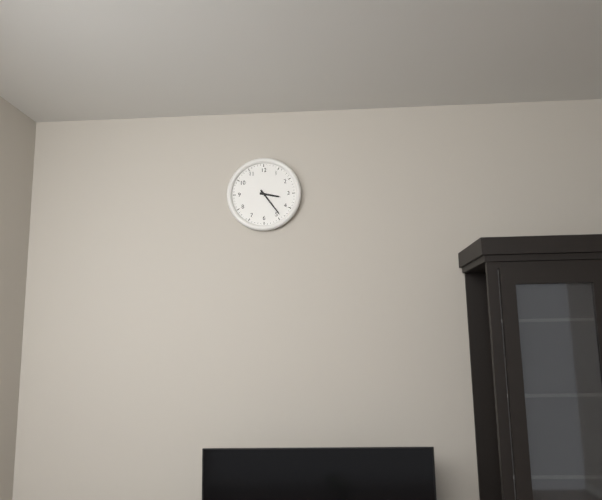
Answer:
3,24
